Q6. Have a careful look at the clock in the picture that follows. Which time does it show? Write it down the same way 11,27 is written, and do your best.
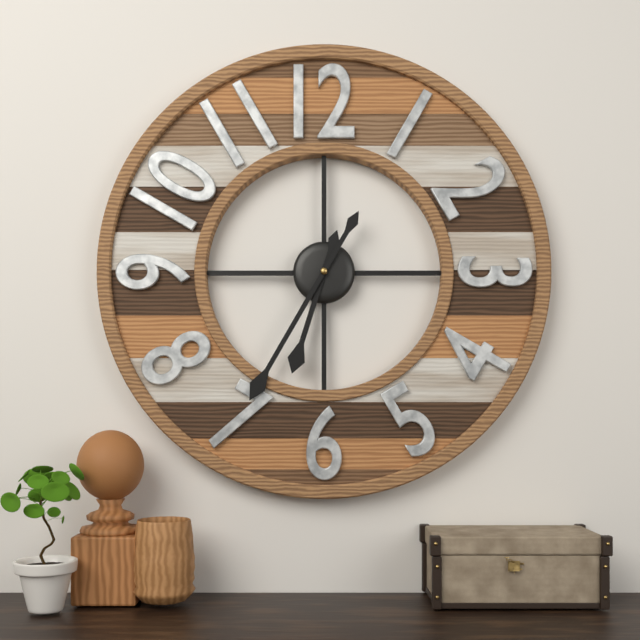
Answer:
6,35
